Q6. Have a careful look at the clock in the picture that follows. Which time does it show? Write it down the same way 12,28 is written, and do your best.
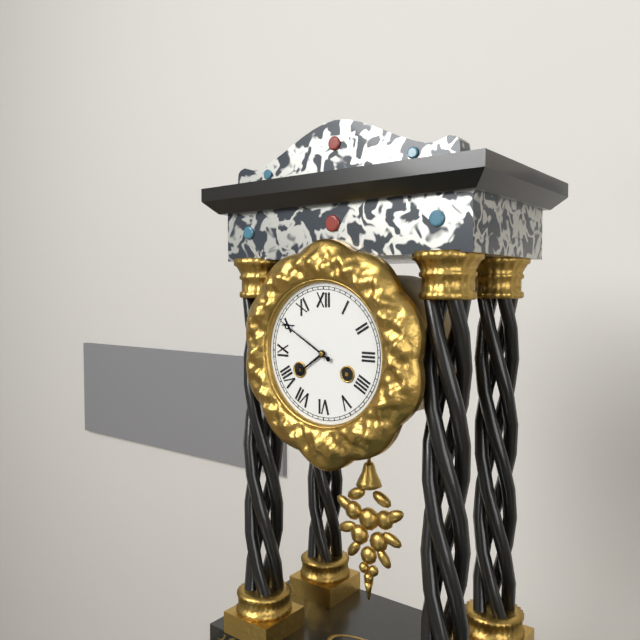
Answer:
7,50
